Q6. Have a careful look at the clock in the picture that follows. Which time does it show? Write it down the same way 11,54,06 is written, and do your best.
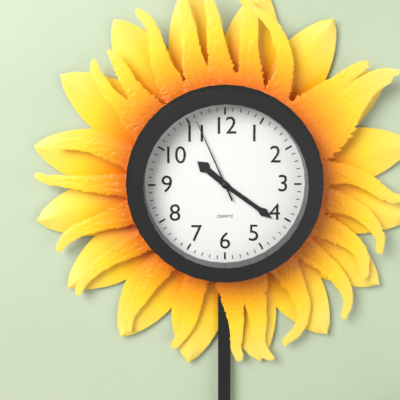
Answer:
10,21,56
